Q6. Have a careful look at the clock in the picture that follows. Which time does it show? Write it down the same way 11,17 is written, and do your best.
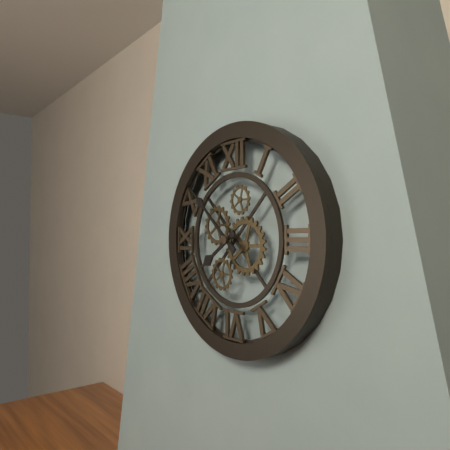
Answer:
7,52
